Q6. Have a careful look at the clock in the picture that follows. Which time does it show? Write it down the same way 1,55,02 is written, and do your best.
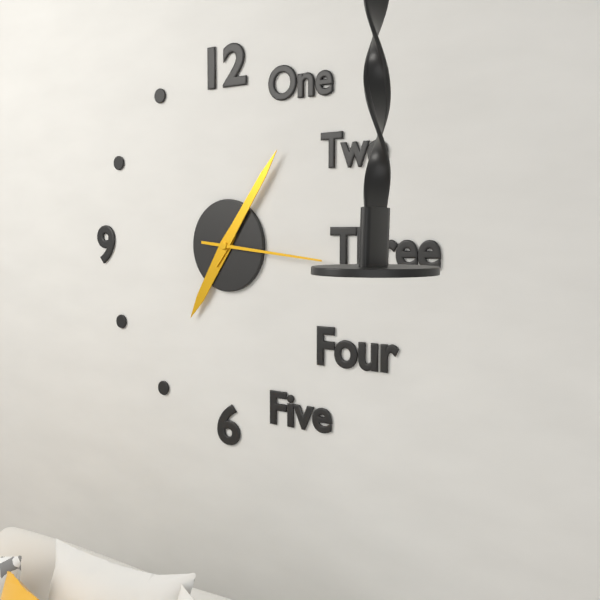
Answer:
7,06,16
